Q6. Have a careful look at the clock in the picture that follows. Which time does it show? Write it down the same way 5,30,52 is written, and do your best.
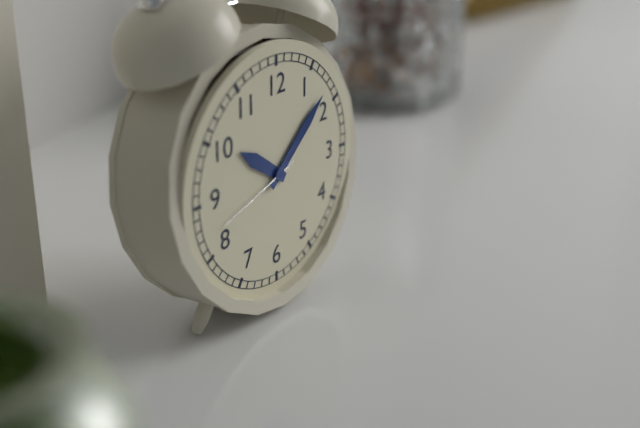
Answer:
10,08,42
